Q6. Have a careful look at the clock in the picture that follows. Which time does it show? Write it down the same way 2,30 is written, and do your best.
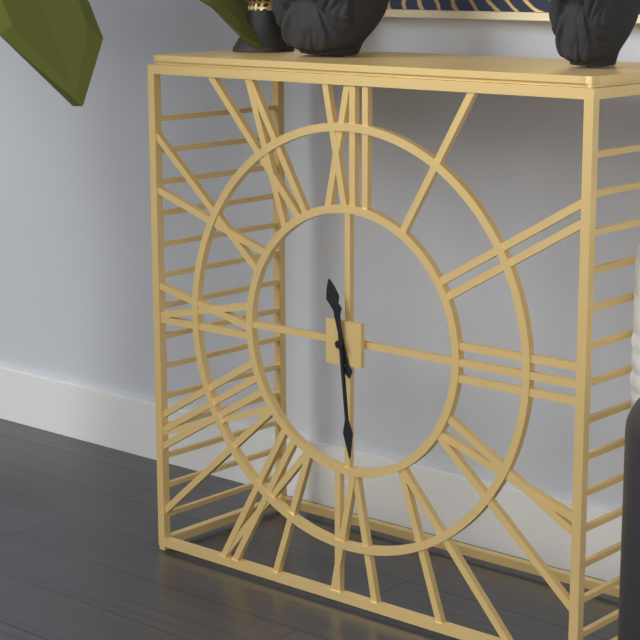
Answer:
11,29
